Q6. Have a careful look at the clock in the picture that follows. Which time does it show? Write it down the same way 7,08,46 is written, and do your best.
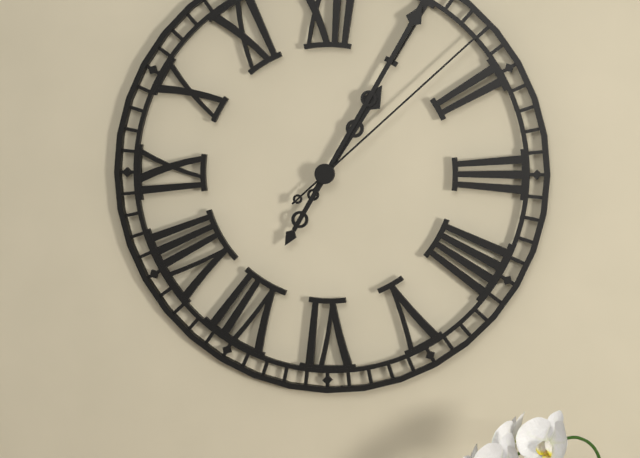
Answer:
1,05,08
